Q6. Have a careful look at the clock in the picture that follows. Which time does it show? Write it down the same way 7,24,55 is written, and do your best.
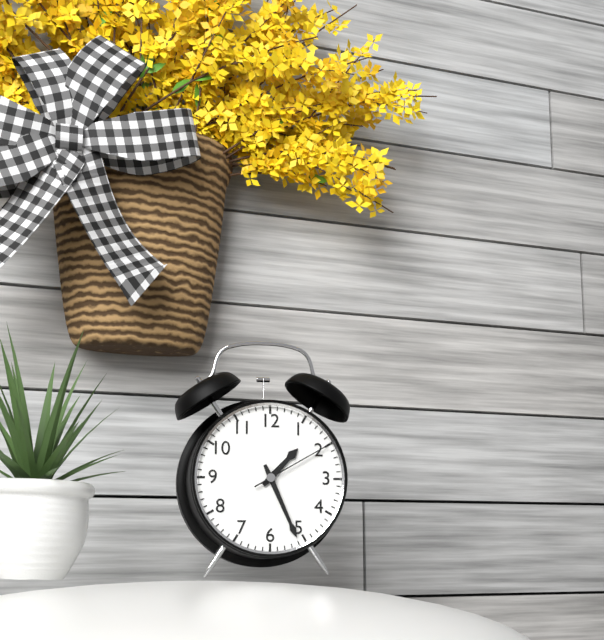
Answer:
1,26,10
